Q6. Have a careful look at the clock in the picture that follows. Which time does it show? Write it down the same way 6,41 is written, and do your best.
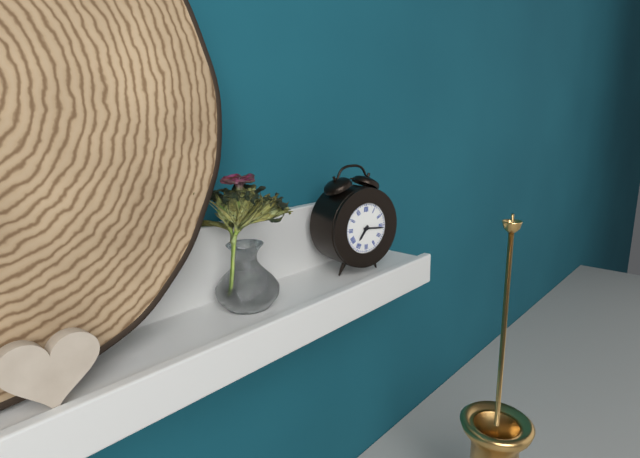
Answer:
7,16
